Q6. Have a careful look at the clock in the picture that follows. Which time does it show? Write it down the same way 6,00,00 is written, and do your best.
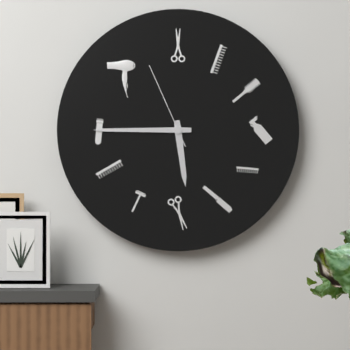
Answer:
5,45,56
